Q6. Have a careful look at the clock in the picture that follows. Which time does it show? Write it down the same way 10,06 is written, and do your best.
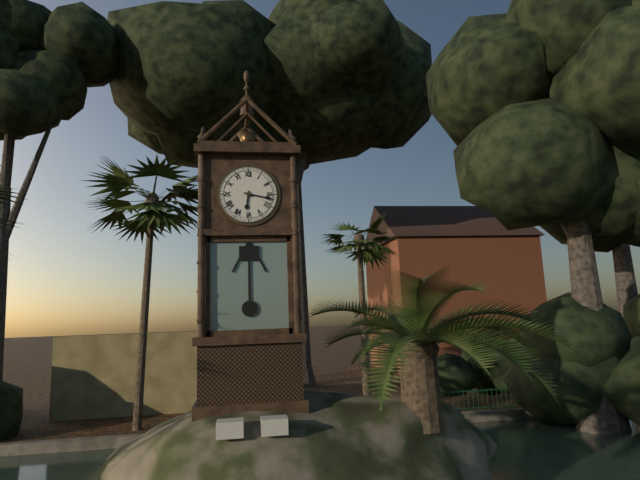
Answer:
6,17
